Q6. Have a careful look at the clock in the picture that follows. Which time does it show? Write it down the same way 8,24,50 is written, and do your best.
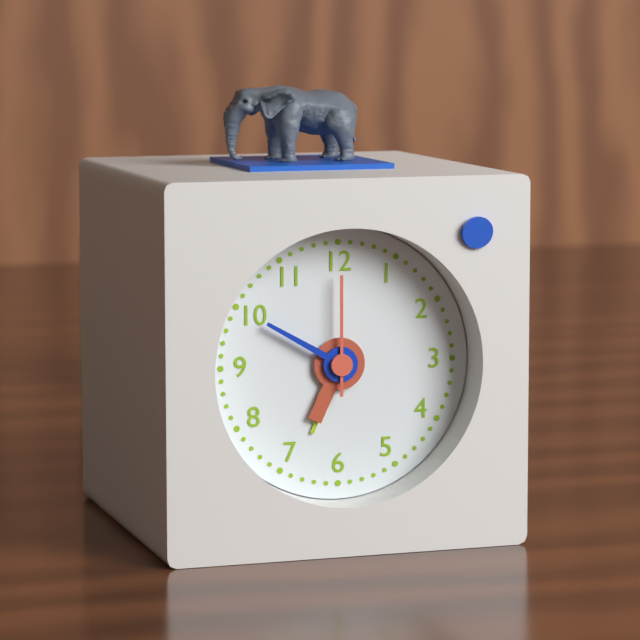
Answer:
6,50,00
